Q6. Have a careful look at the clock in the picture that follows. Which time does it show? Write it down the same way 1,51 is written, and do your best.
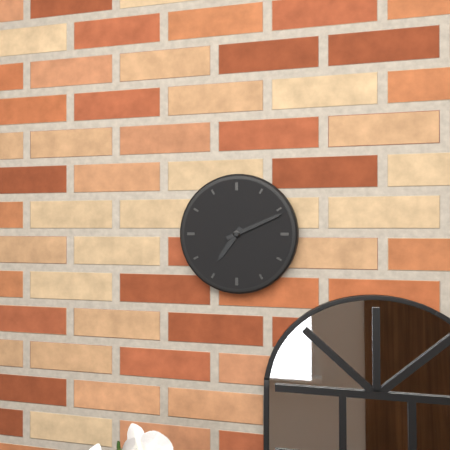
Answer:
7,11
